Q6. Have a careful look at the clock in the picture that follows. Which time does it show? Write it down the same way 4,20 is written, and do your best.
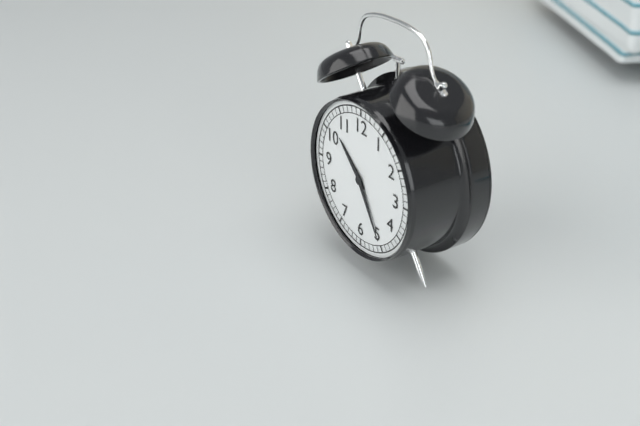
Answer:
10,25
